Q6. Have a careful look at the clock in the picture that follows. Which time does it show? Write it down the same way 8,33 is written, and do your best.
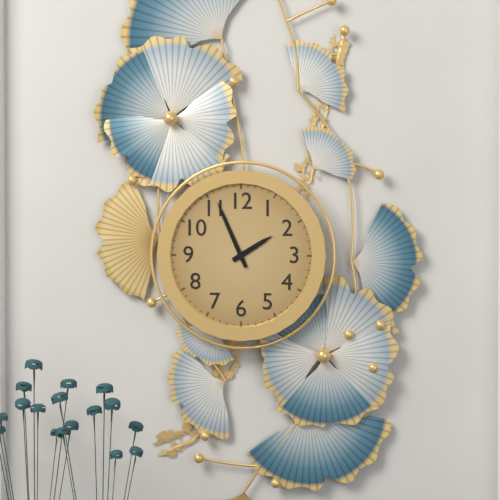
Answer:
1,56
